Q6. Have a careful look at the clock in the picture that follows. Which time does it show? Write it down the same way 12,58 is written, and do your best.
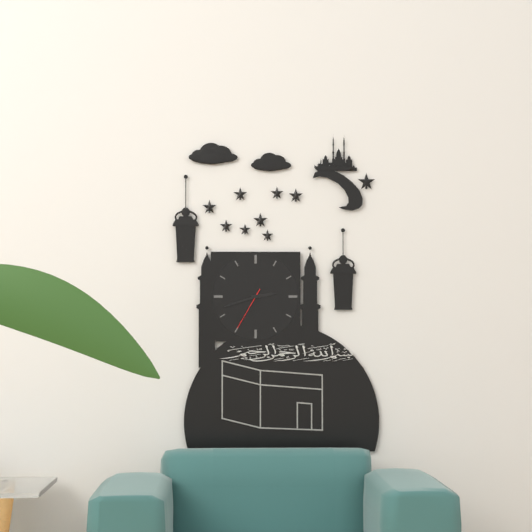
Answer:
2,42
